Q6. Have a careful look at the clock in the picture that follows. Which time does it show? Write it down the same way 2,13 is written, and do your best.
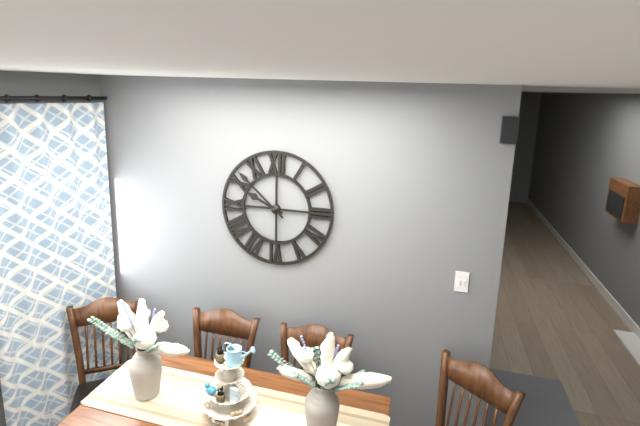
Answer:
9,52
